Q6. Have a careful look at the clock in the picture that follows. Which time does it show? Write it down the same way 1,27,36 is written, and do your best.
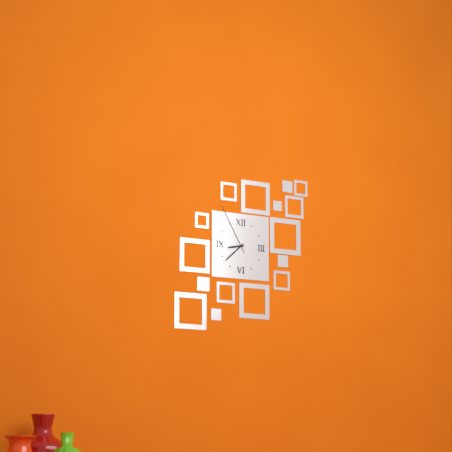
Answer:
8,38,55
